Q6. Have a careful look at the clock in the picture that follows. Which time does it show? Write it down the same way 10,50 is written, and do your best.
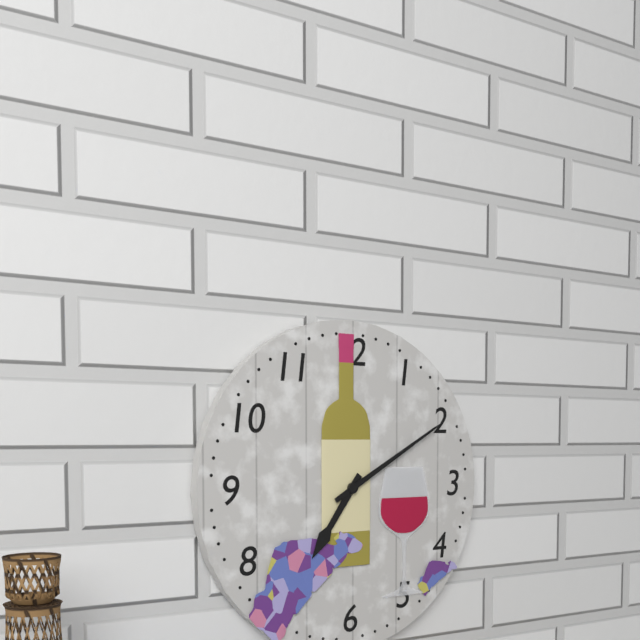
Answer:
7,10
